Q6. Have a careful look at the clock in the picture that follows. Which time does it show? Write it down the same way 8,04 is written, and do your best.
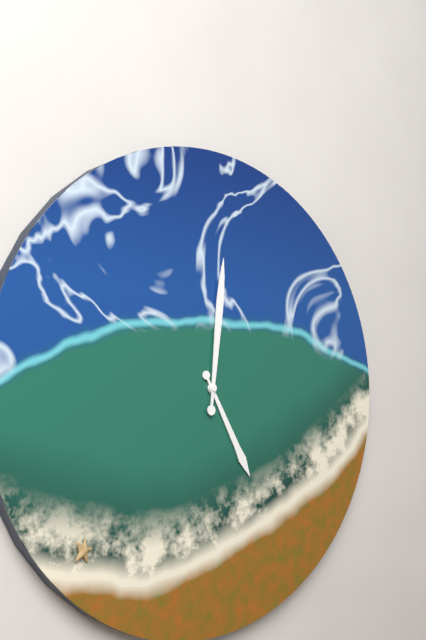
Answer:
5,01
